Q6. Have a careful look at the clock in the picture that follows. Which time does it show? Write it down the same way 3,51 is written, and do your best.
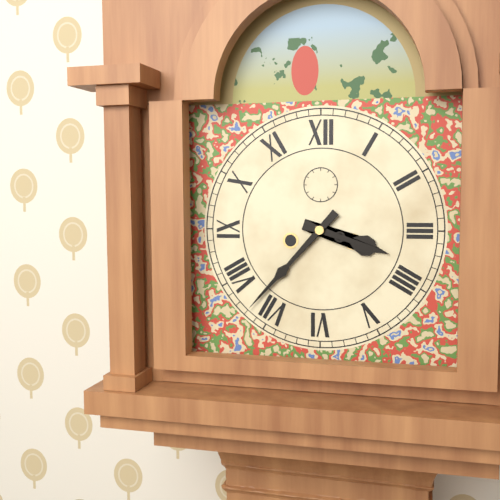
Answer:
3,37
